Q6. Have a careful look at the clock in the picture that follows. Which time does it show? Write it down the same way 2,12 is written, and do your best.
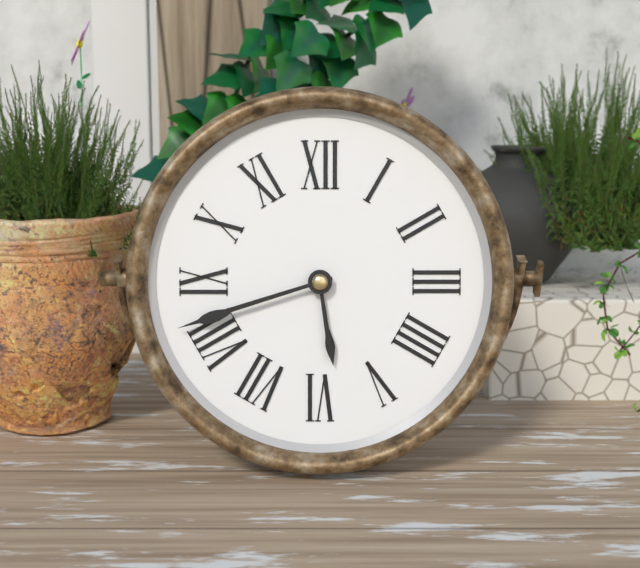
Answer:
5,42
